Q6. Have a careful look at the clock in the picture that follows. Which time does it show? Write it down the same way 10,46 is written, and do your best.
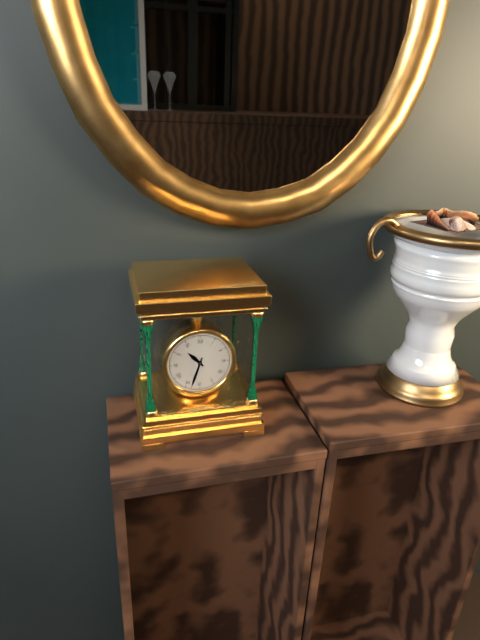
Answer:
10,33
